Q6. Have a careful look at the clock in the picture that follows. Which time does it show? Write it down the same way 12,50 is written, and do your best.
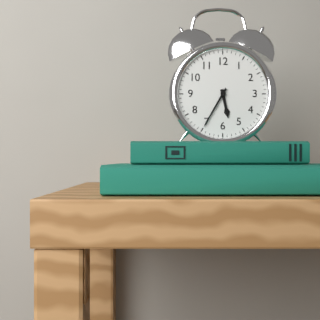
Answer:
5,35
